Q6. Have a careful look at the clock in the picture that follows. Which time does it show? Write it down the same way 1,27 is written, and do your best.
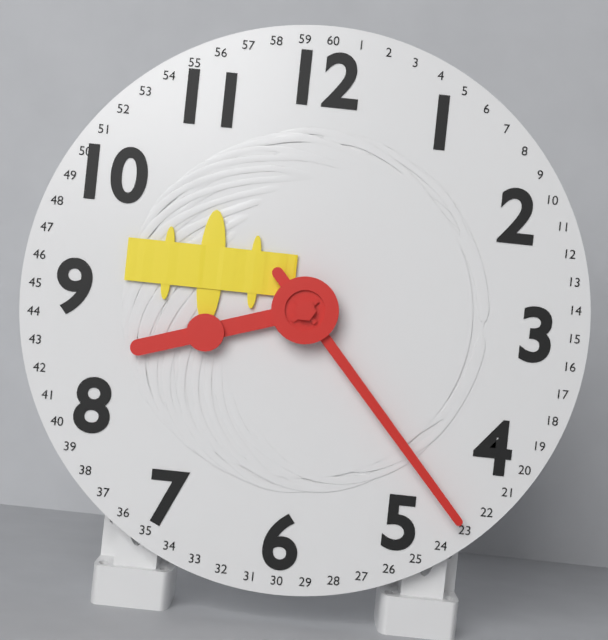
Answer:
8,23
